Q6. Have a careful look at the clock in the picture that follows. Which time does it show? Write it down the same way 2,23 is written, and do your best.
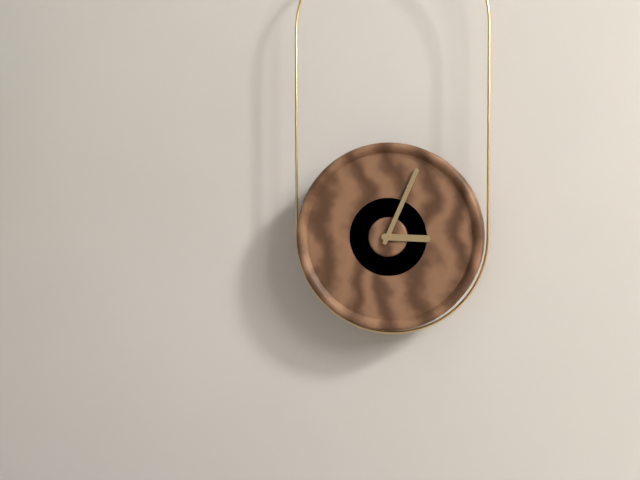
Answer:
3,04
